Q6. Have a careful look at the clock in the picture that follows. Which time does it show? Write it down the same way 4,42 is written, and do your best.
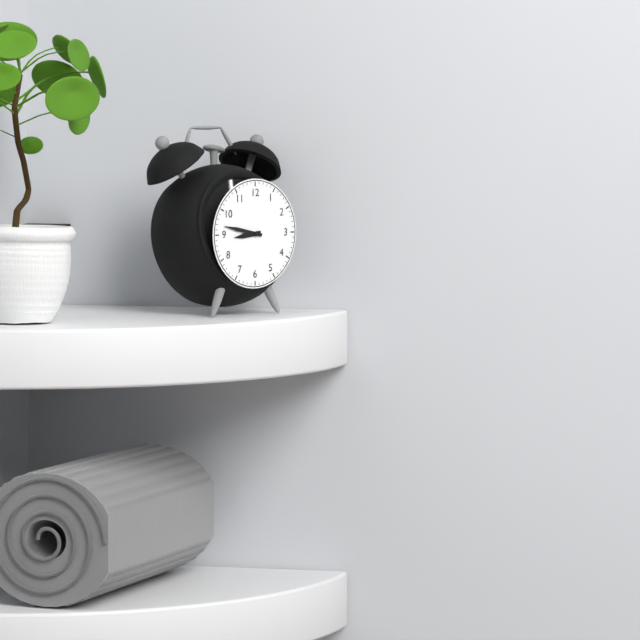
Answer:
8,47
